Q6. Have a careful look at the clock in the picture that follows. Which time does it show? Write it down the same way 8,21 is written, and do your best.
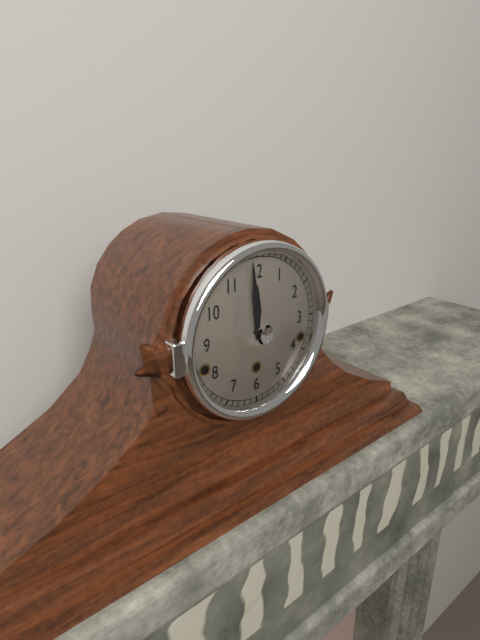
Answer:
11,59
